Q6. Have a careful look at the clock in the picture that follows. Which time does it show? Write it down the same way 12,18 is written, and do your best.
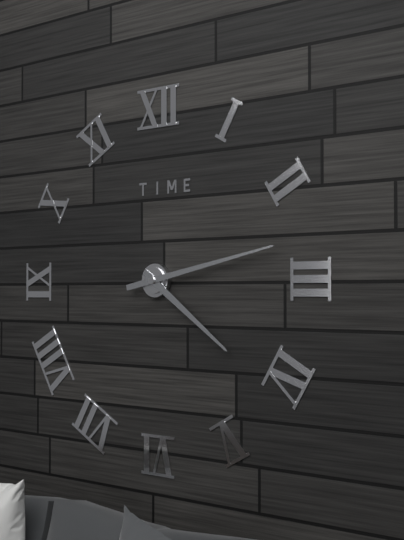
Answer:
4,13
